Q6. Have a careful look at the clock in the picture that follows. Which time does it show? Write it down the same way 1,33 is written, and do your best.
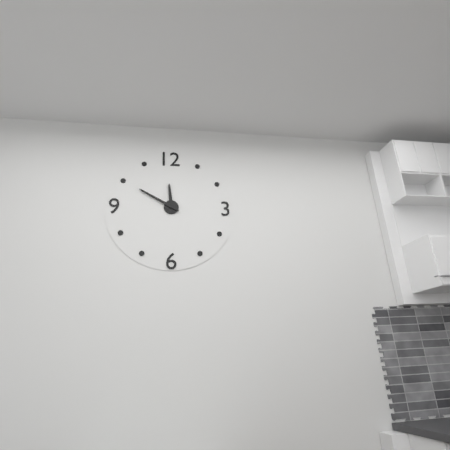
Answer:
11,50
